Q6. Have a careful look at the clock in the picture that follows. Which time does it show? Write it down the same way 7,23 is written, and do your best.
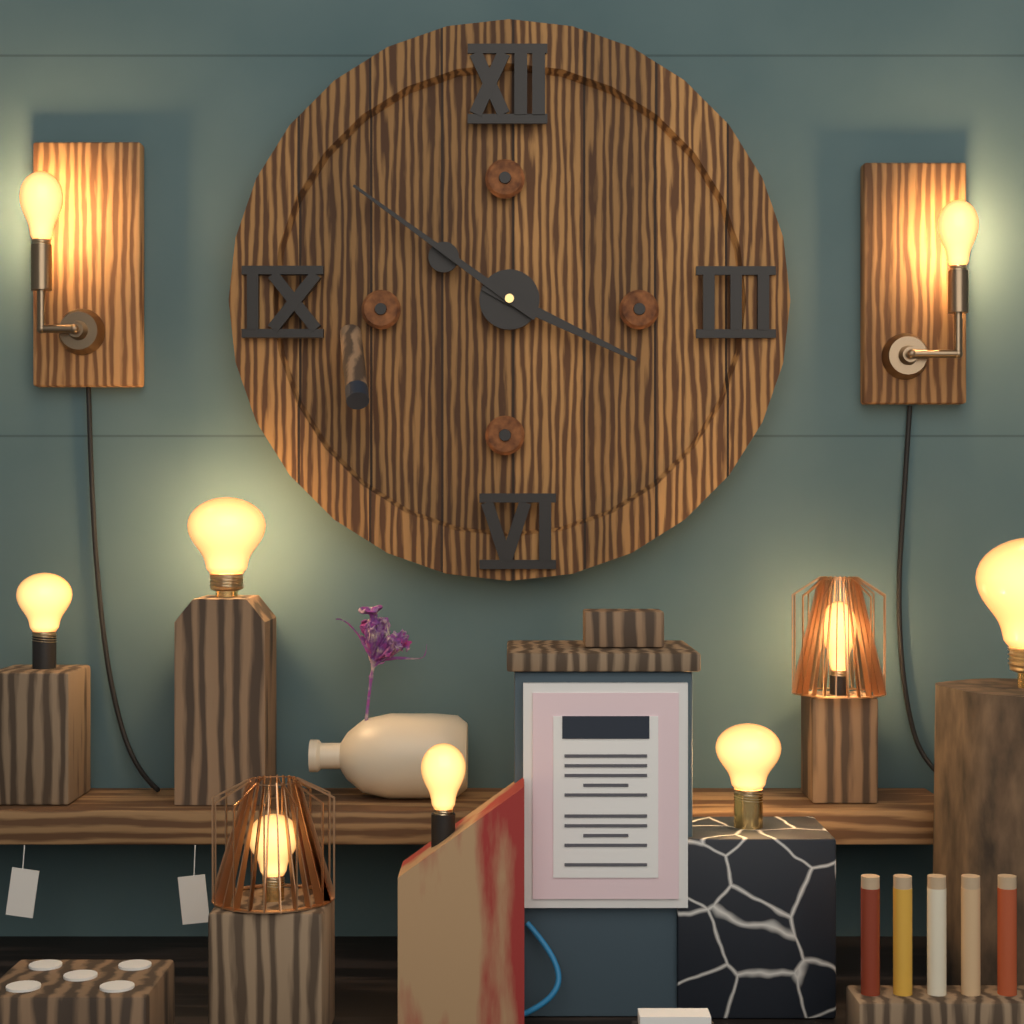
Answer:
3,51
